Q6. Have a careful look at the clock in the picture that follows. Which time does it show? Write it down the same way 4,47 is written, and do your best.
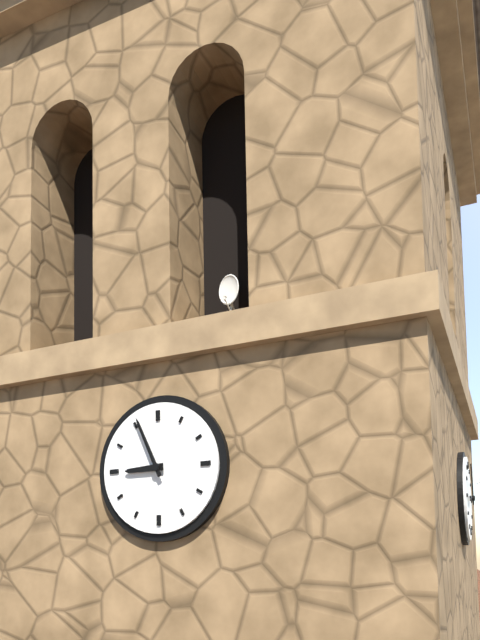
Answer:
8,56
